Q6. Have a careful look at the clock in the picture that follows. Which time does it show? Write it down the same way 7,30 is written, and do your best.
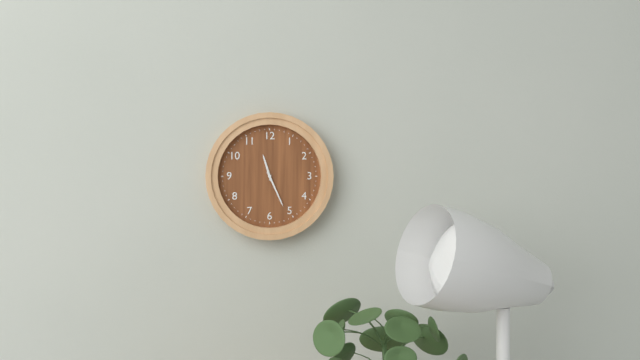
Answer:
11,26
